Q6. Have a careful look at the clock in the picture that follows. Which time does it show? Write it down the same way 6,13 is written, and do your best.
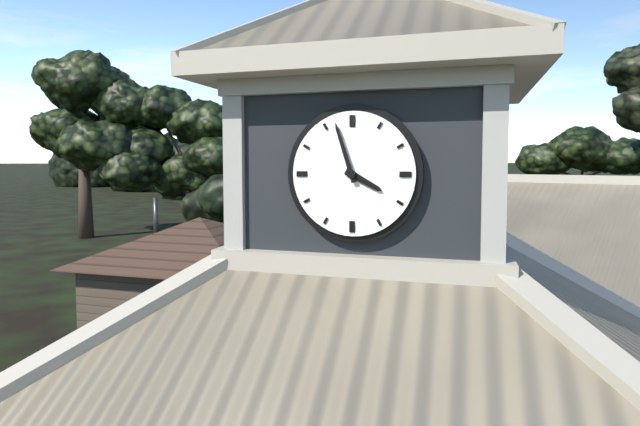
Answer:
3,57
